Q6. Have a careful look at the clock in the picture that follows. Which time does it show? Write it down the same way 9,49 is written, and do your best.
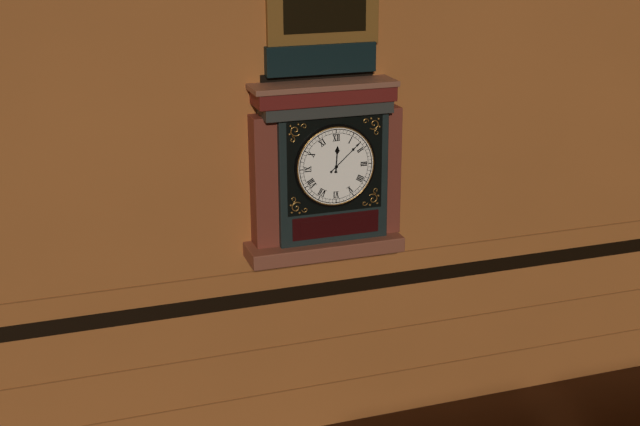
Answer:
12,08
